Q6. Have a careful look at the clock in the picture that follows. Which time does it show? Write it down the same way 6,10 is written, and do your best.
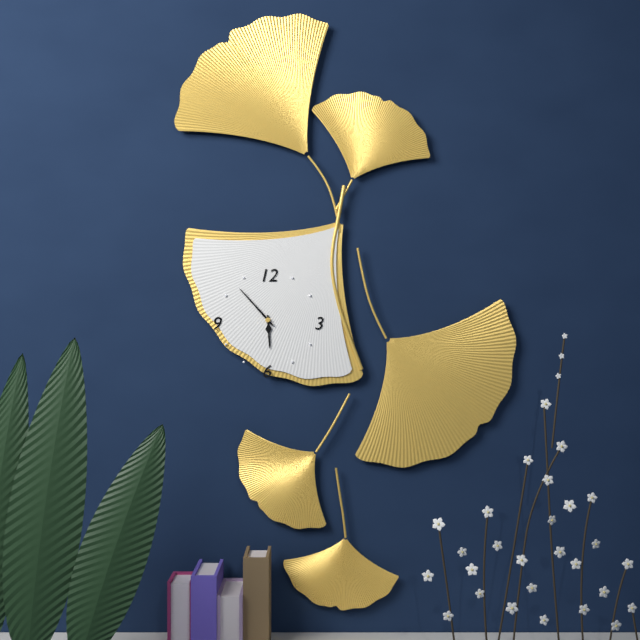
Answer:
5,53
